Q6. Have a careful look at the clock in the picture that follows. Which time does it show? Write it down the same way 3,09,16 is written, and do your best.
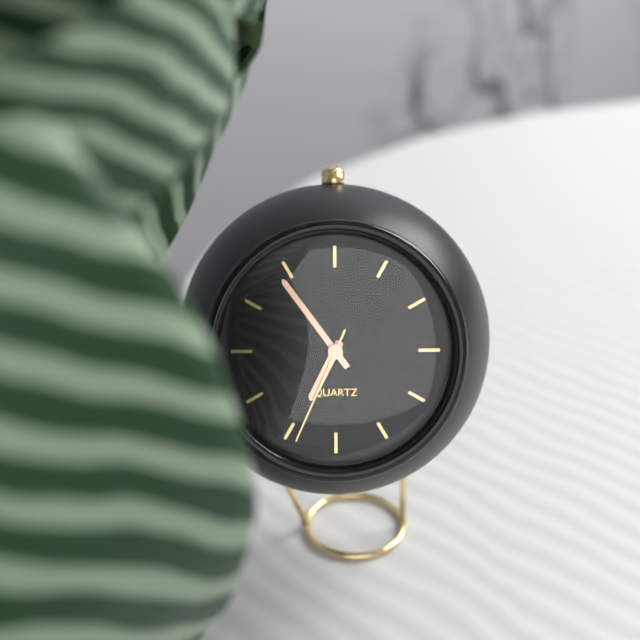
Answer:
6,54,34
